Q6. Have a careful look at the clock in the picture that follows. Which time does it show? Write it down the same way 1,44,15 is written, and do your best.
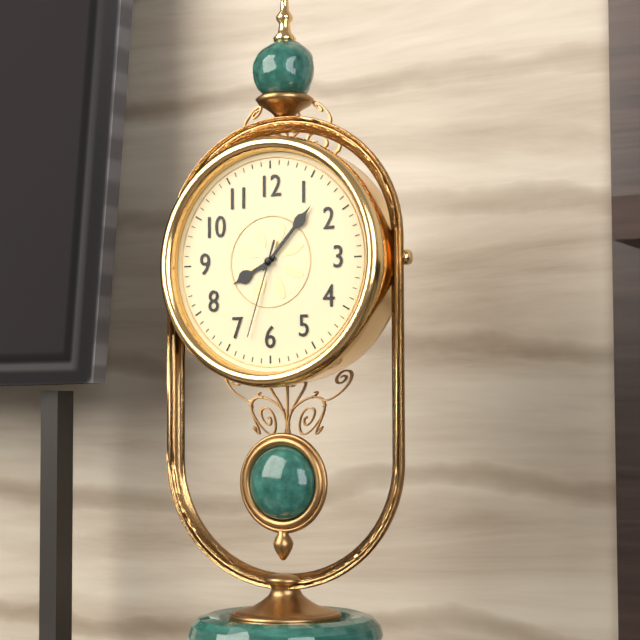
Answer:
8,07,33
